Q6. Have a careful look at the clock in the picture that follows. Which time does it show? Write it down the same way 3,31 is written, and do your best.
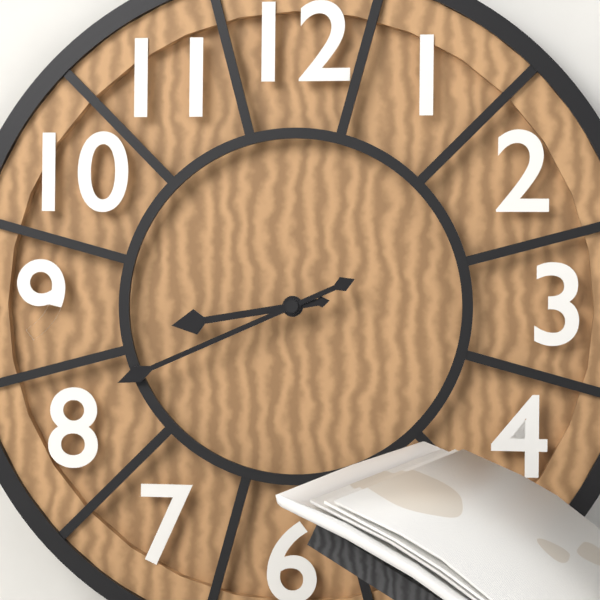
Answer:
8,41
